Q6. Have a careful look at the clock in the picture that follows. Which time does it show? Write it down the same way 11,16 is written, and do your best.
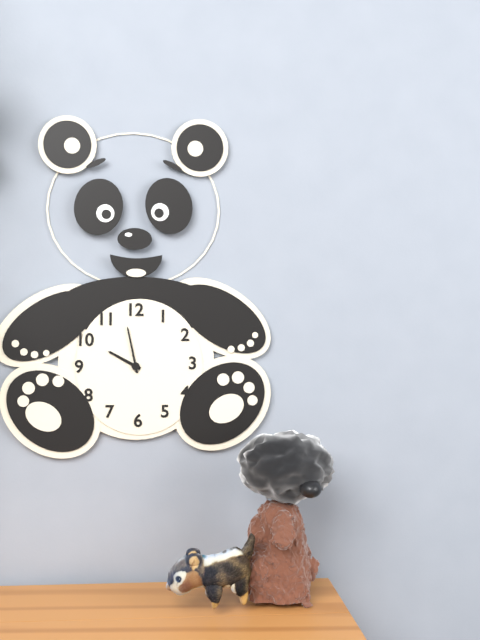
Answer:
9,58
